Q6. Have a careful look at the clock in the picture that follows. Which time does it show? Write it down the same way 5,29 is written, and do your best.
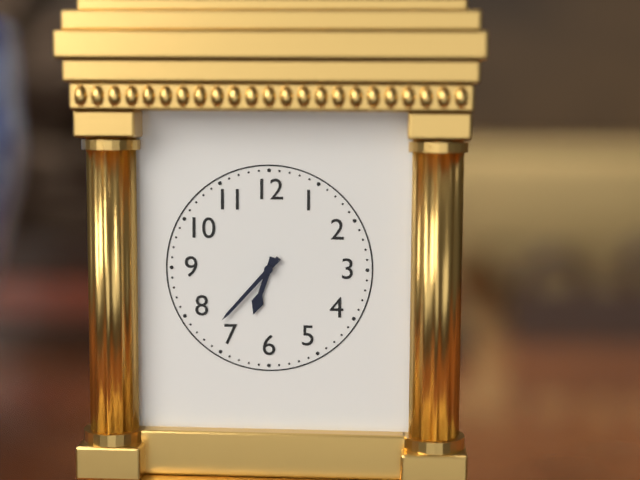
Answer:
6,37
